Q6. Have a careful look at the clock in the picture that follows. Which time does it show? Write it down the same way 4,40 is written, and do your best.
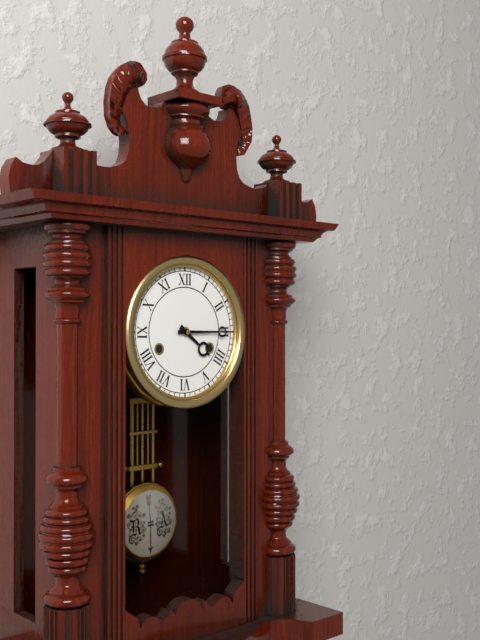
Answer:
4,15
